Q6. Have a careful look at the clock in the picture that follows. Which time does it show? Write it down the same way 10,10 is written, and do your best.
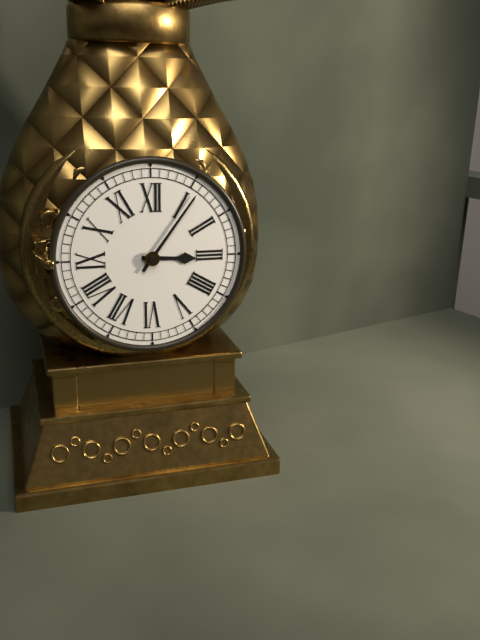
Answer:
3,06
